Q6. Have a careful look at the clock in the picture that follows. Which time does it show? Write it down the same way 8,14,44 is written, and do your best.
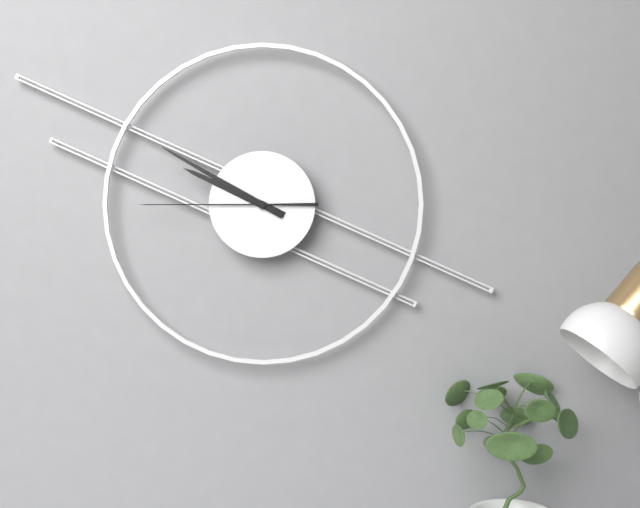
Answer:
9,50,45
